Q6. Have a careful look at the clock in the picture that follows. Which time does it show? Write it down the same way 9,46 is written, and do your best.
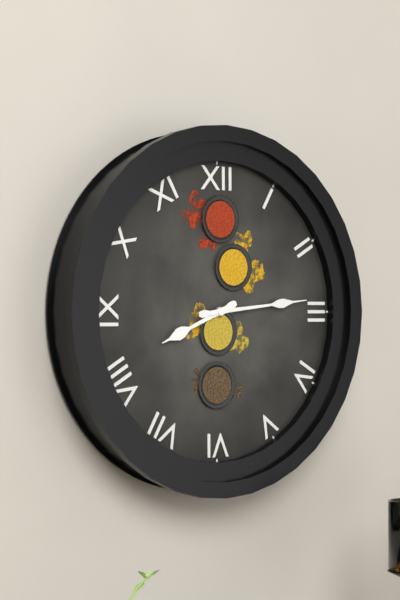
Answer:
8,14
